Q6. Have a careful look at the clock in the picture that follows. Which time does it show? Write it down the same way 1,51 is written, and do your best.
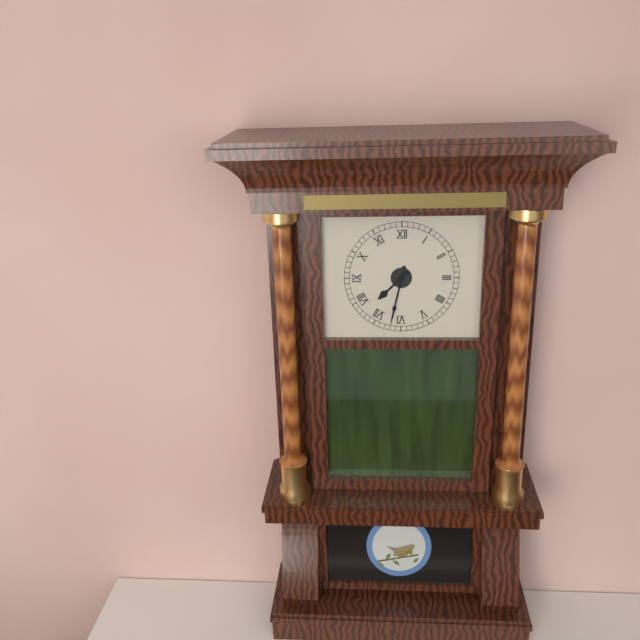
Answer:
7,32
